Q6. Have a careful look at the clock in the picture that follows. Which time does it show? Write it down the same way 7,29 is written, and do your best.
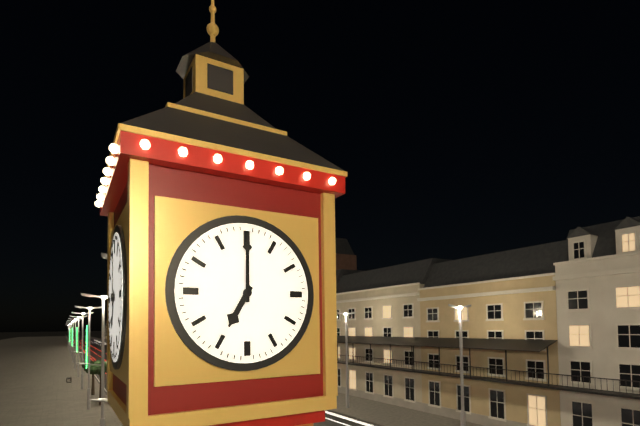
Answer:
7,00
